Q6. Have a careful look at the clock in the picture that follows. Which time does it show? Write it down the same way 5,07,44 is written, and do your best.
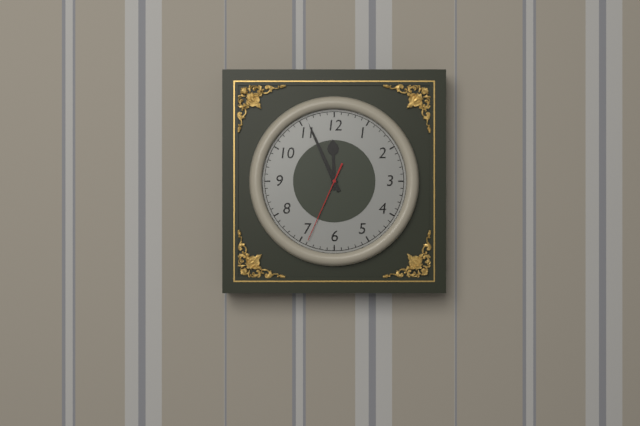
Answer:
11,56,34
